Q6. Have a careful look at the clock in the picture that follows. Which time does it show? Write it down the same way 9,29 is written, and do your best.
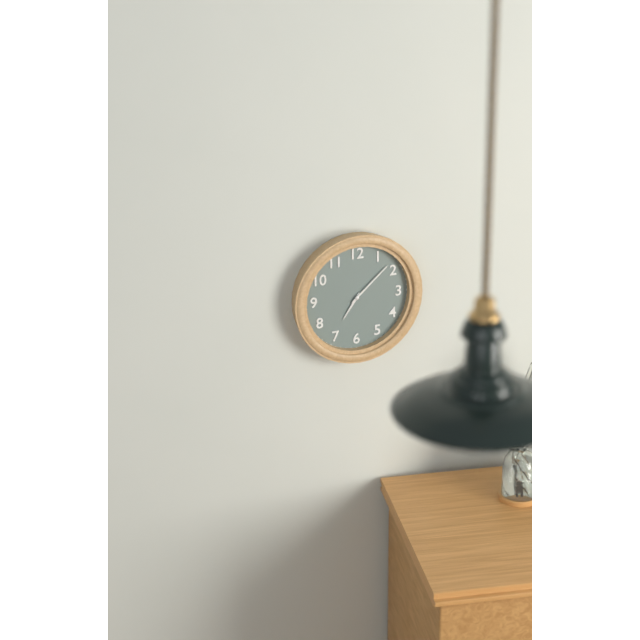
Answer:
7,08
